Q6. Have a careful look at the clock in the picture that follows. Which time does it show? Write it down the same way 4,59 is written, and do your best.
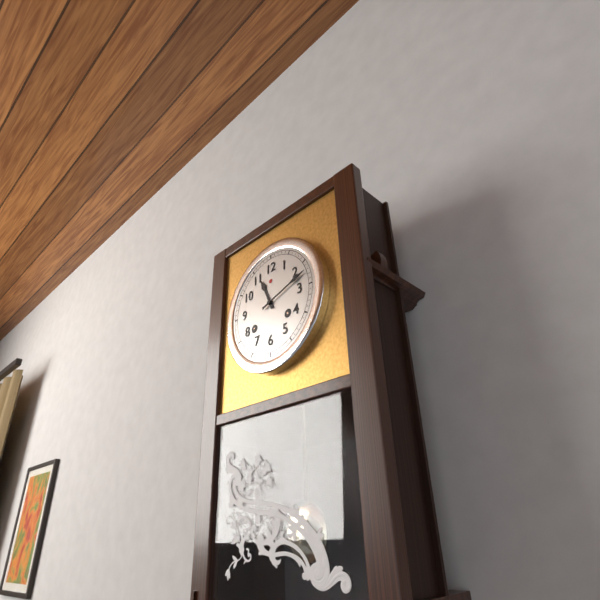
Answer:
11,12
